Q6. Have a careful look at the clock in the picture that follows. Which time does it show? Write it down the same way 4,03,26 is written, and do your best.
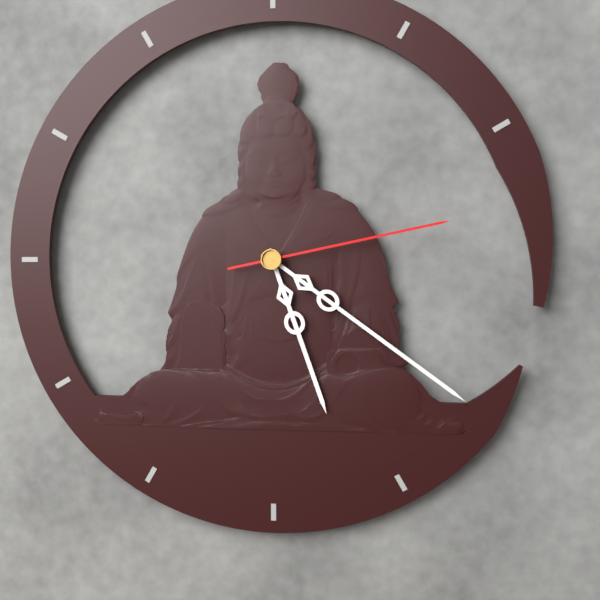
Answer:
5,21,13
